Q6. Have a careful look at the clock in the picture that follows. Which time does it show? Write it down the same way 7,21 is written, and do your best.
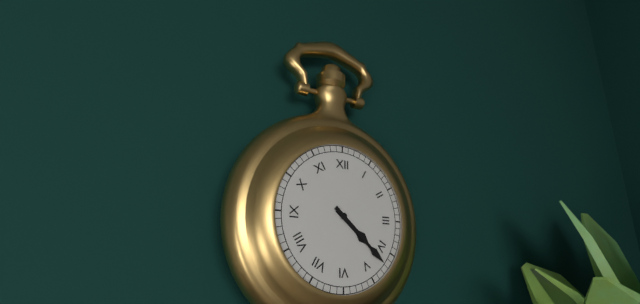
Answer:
4,22
